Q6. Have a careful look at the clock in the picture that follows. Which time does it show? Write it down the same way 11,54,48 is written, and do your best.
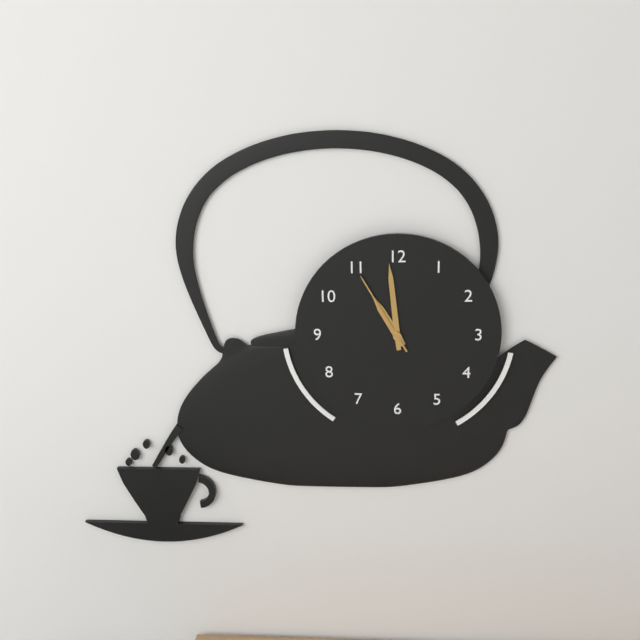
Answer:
10,59,55
